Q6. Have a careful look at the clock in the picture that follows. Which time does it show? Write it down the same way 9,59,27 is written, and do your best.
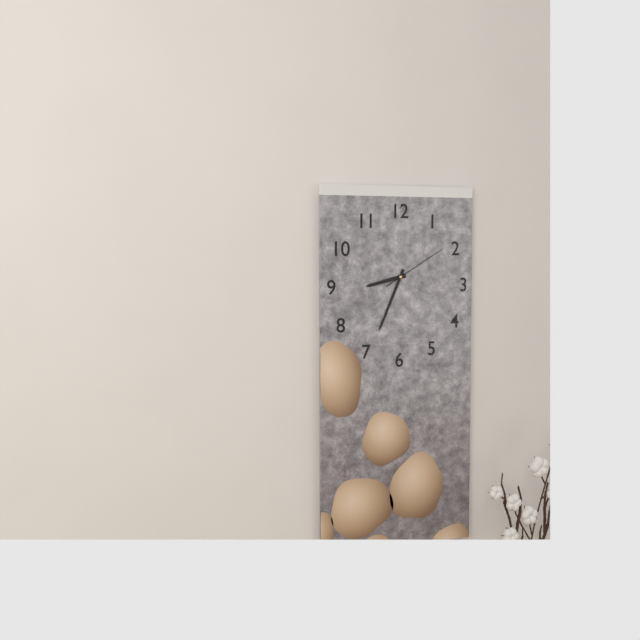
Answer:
8,34,10
